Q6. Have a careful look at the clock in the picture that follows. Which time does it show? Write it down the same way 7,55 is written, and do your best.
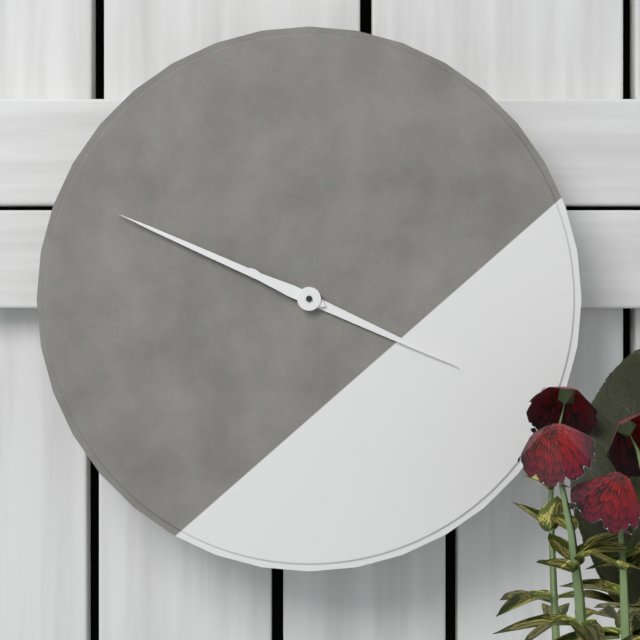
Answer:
3,49
